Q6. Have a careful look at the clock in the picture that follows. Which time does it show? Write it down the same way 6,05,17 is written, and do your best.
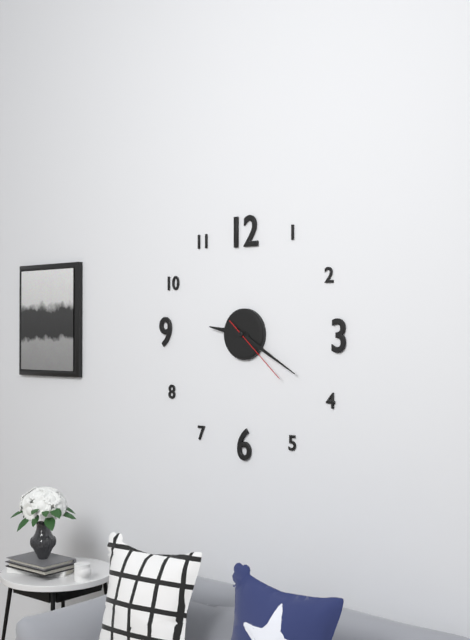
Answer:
9,20,22
